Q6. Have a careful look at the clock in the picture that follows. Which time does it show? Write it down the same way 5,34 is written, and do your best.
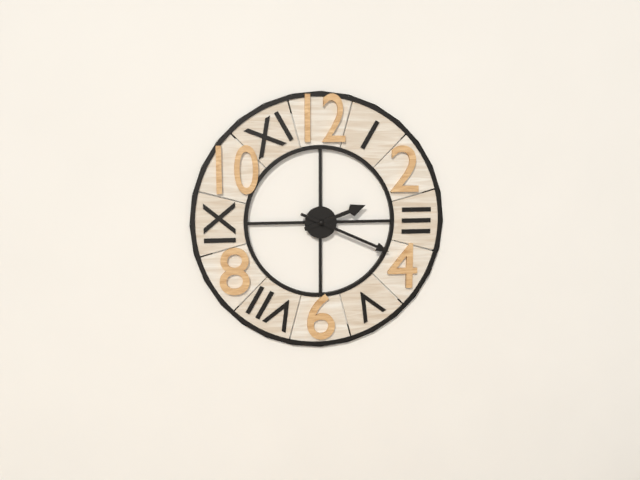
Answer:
2,19
